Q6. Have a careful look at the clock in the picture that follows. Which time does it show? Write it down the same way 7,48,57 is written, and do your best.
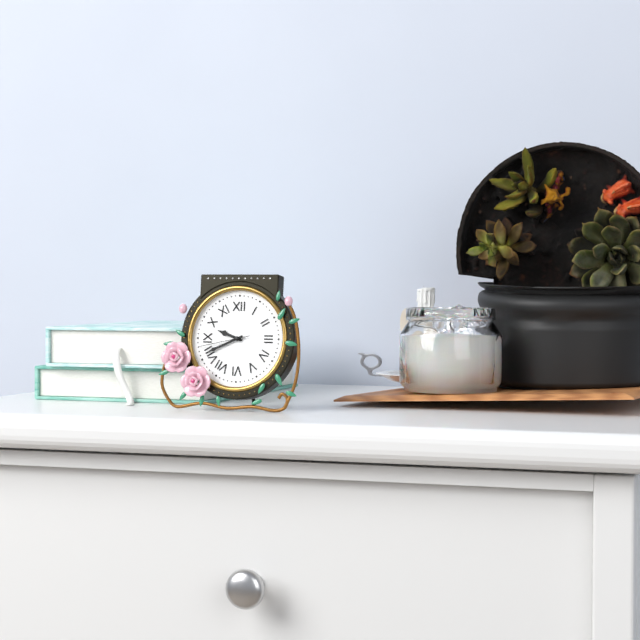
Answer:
9,41,43
